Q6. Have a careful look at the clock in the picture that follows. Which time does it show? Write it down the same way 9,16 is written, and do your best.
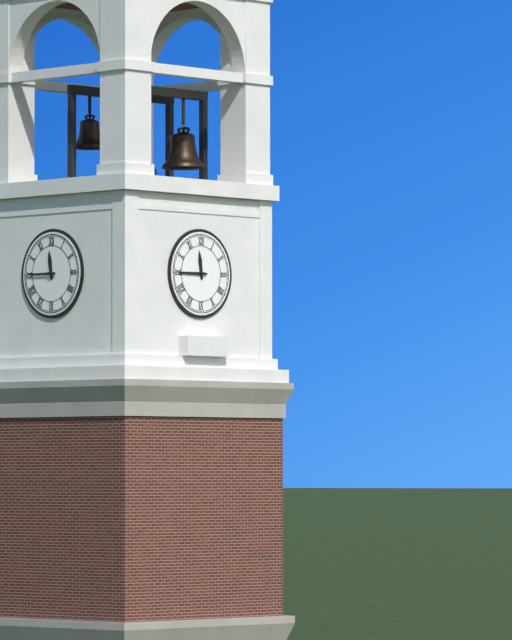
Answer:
11,45
